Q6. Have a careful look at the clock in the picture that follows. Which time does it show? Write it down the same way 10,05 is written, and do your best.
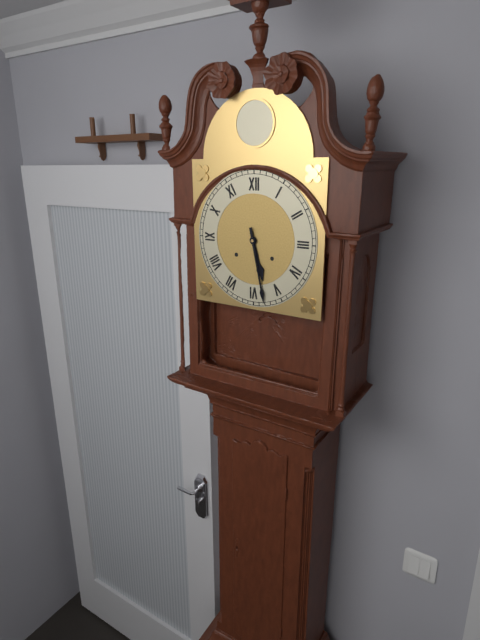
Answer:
5,28
